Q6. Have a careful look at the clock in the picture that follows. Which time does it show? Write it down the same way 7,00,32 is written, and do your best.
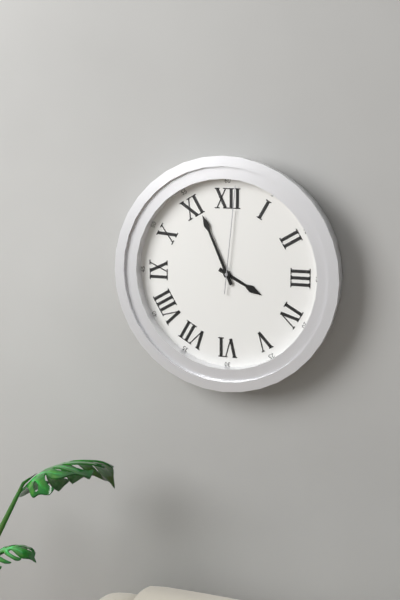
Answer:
3,56,01
